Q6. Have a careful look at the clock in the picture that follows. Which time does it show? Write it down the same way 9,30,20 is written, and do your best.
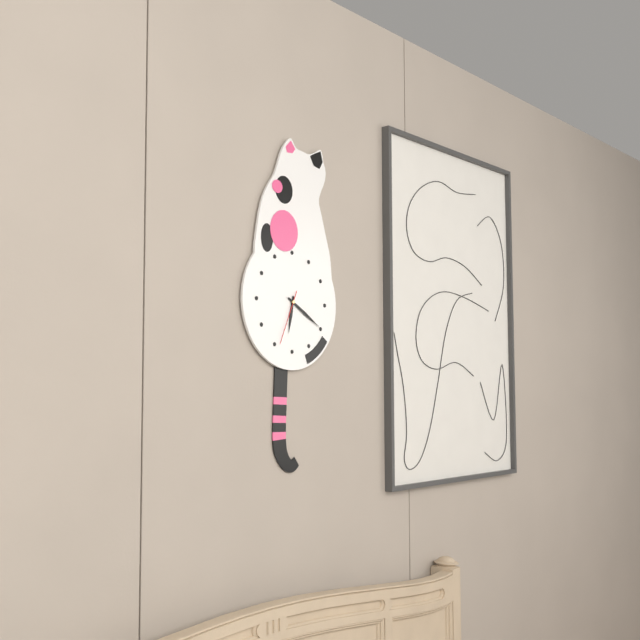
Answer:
6,20,34
